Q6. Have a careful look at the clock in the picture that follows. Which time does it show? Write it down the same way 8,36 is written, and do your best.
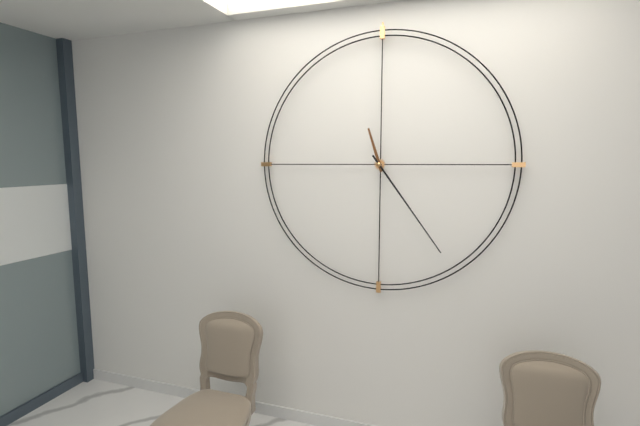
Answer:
11,24
